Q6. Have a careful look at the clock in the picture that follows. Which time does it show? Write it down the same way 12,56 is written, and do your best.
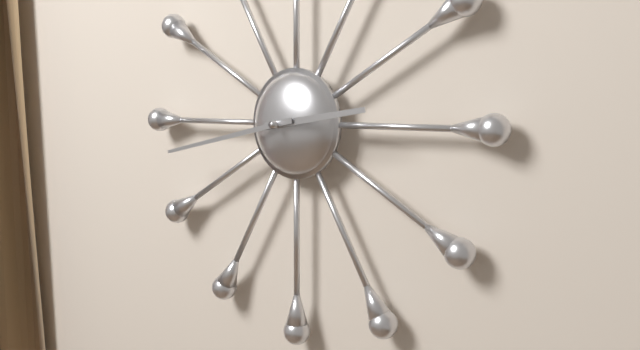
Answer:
2,43
